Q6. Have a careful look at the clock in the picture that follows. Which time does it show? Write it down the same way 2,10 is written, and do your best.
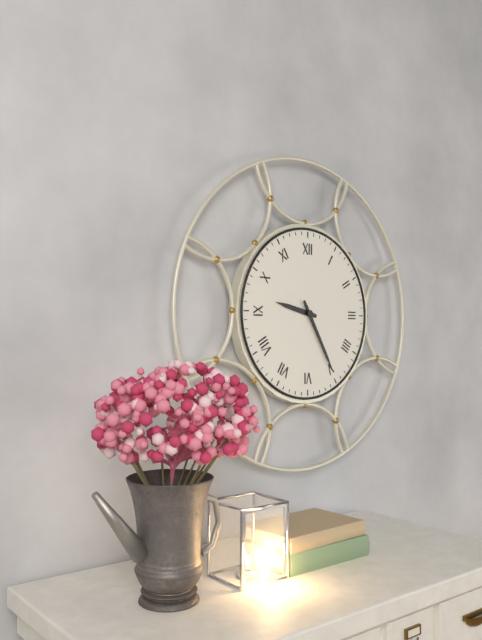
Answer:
9,25
